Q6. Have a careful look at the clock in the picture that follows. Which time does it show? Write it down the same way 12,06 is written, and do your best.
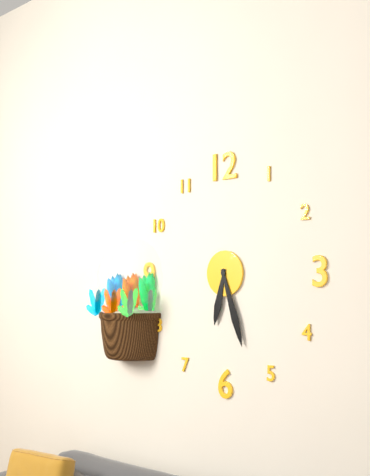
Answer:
6,27
